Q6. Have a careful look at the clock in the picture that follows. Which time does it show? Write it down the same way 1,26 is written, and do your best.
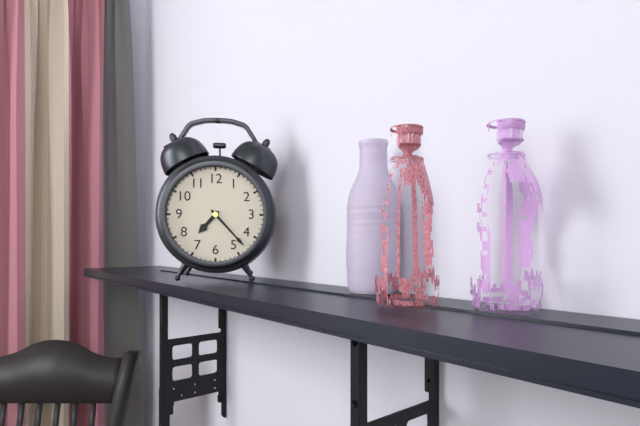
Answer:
7,23
